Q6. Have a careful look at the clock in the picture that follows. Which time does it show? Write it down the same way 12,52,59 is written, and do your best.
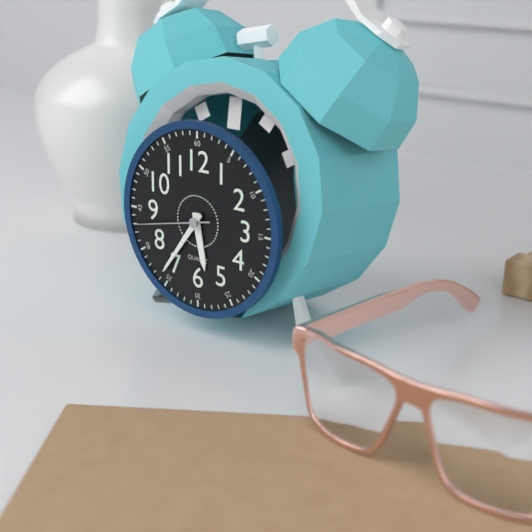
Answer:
5,36,43
